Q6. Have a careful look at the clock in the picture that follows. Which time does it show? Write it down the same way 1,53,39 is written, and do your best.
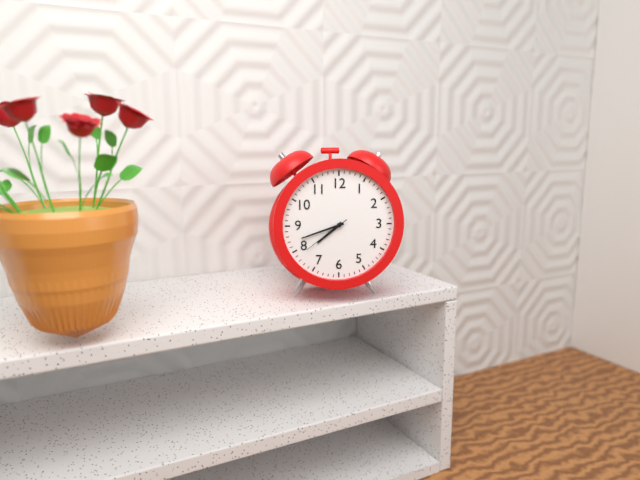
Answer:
7,42,39
